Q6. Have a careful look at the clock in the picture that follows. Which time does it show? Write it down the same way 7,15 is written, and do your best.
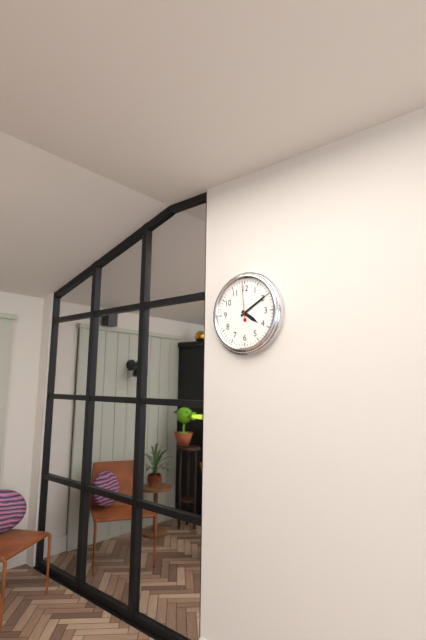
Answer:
4,10
